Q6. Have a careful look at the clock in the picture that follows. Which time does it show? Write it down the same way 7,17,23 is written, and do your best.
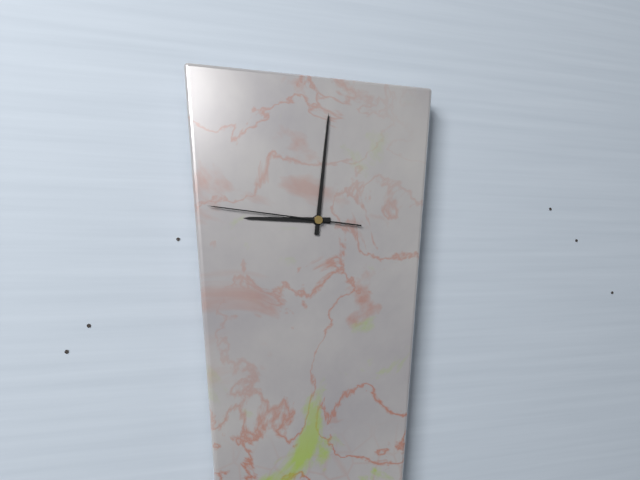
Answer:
9,01,46
